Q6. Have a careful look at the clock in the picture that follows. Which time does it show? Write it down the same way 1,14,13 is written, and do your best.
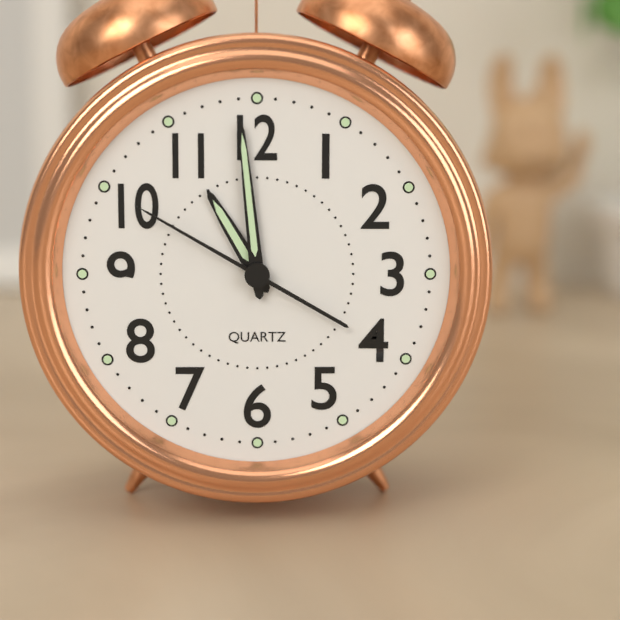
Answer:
10,59,50
